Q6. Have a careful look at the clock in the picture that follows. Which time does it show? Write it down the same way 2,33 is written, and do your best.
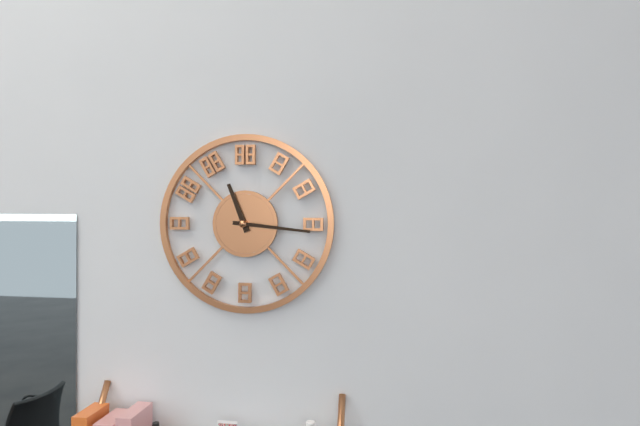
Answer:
11,16
